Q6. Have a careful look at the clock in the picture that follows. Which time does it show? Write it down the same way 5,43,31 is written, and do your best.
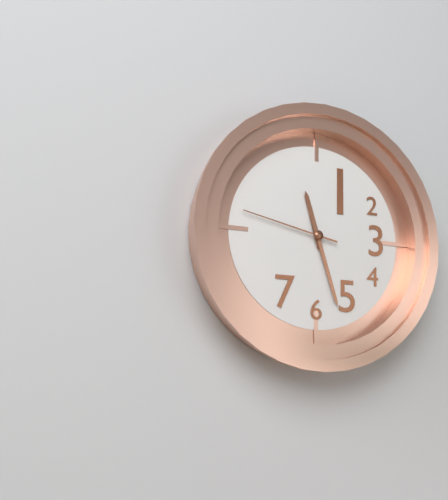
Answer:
11,27,47
